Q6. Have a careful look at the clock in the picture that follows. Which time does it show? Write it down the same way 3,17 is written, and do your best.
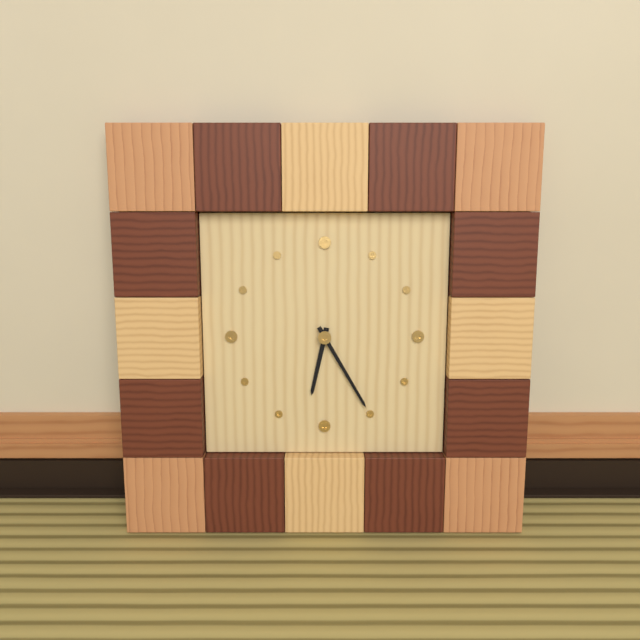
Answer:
6,25
